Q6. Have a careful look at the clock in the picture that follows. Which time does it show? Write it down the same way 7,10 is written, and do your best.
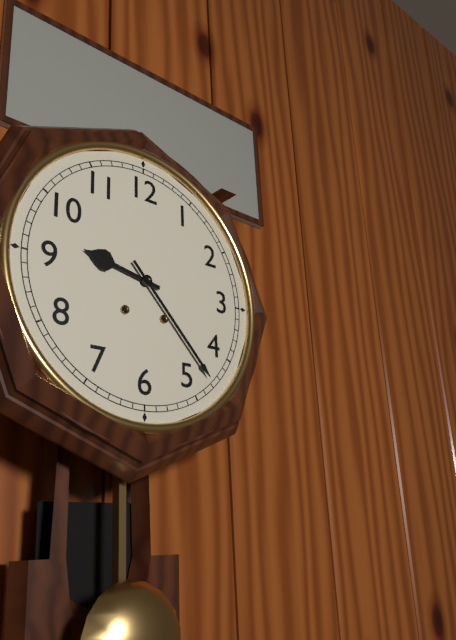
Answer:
9,23
